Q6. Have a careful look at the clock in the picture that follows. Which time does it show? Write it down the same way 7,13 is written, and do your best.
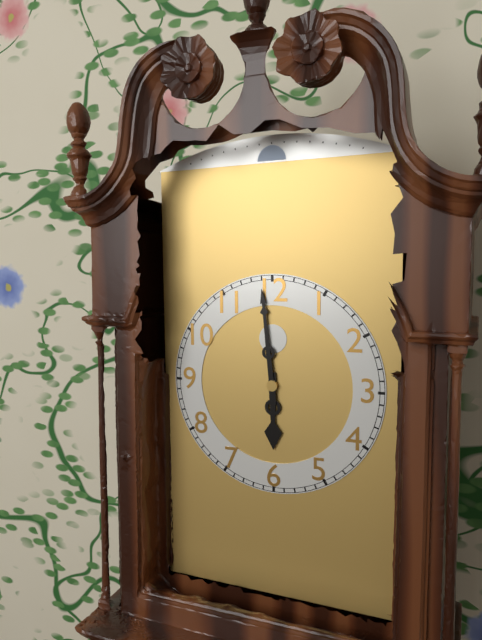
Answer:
5,59
